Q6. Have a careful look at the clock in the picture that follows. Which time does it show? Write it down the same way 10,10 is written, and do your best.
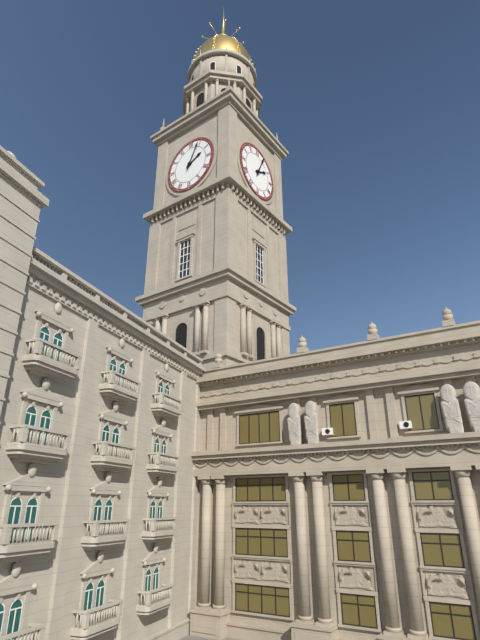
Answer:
2,04
